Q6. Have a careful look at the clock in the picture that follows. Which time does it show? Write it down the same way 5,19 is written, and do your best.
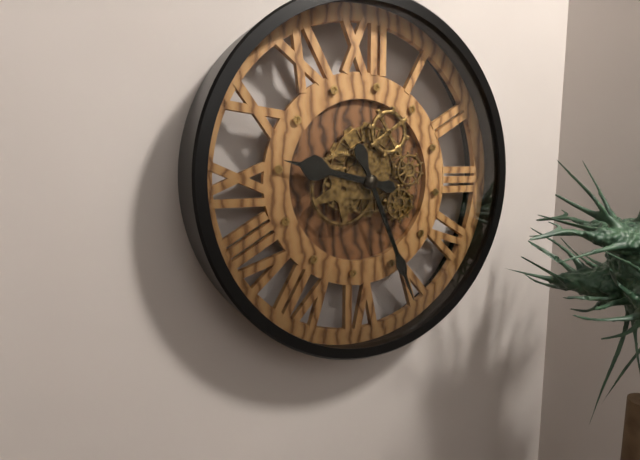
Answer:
9,26
